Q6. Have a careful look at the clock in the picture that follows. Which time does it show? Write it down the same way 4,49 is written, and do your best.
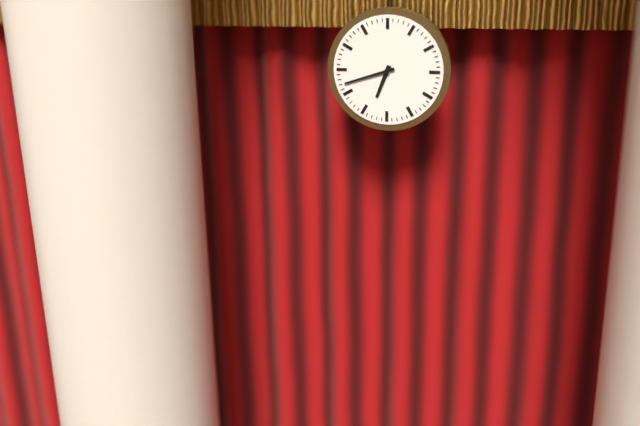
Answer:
6,42
